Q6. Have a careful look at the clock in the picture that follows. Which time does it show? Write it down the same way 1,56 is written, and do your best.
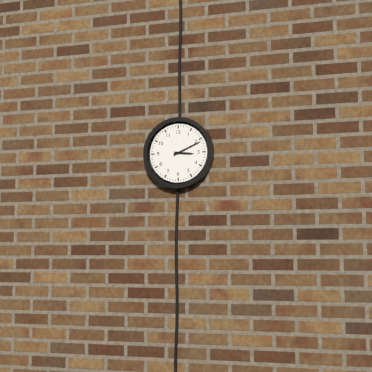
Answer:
3,11
